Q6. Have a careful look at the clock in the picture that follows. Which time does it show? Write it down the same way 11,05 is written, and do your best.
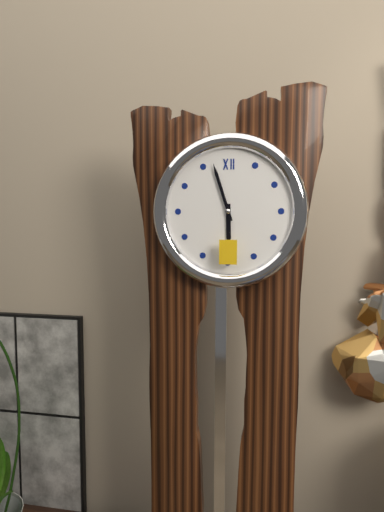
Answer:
5,57
